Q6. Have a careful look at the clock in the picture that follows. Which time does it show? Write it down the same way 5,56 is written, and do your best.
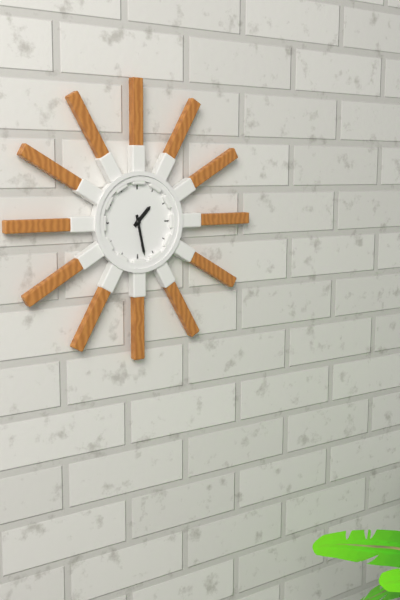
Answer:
1,28
